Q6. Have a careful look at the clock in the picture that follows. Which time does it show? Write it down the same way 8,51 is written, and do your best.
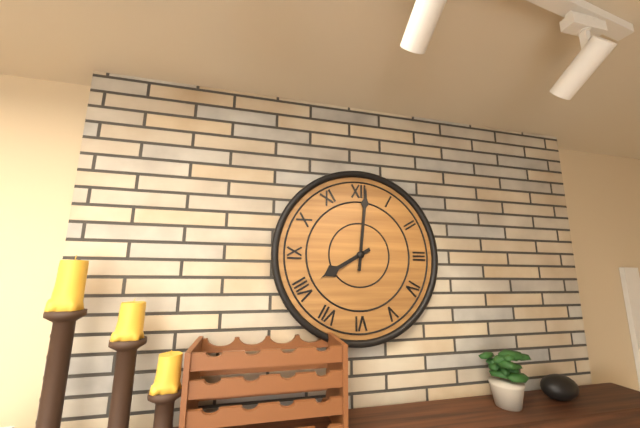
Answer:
8,01
